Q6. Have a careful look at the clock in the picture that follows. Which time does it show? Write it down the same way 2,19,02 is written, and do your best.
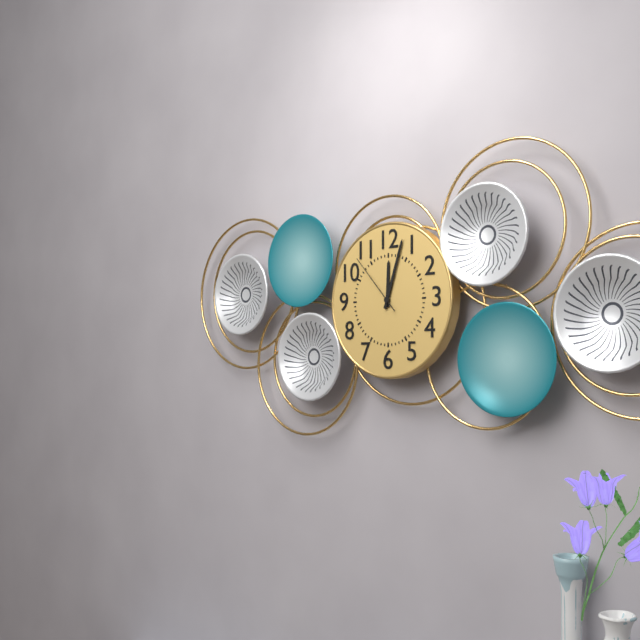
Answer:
12,03,53
